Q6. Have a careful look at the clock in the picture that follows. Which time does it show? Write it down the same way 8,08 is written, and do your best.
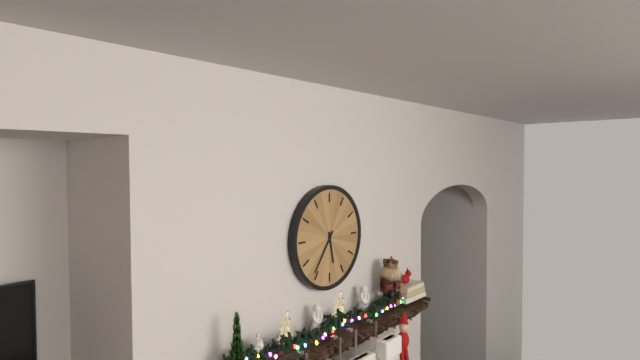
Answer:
5,36
